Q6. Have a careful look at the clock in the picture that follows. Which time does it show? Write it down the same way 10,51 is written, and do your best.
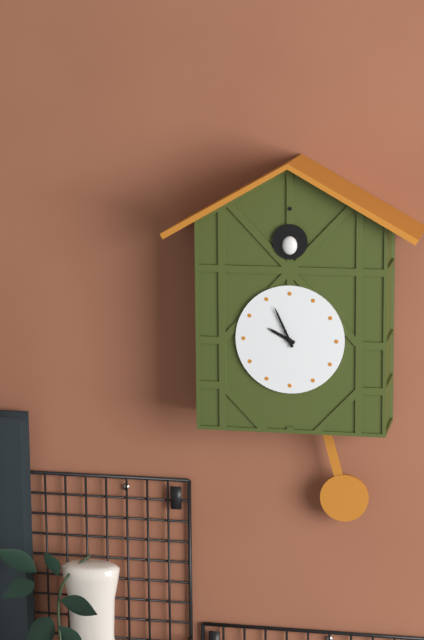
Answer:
9,56
